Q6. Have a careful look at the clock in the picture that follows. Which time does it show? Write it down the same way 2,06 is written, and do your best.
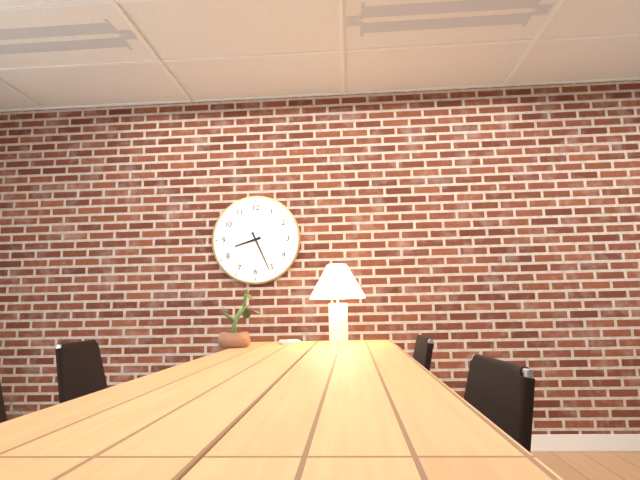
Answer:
8,26
